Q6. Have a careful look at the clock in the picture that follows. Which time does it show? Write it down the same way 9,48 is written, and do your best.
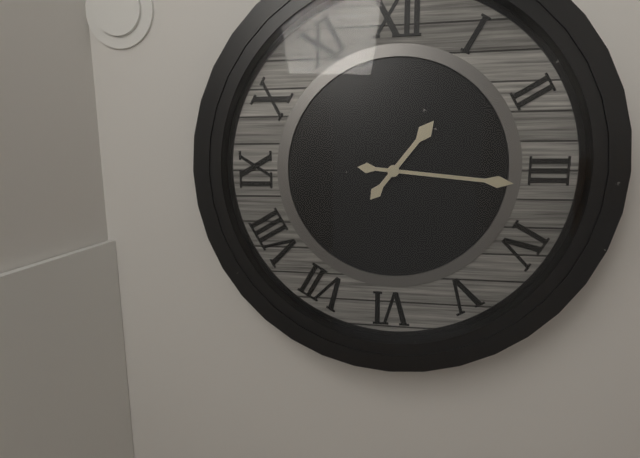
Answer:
1,16
